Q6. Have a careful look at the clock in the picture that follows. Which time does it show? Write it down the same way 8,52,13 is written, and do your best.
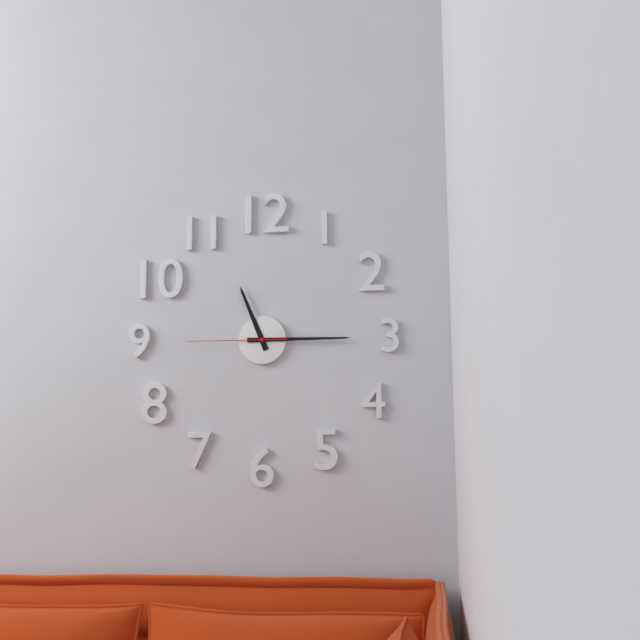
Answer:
11,15,45
